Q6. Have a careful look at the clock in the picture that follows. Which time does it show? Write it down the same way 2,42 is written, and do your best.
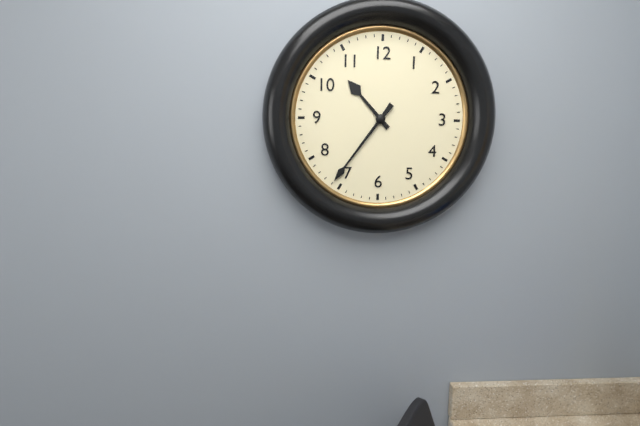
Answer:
10,36
